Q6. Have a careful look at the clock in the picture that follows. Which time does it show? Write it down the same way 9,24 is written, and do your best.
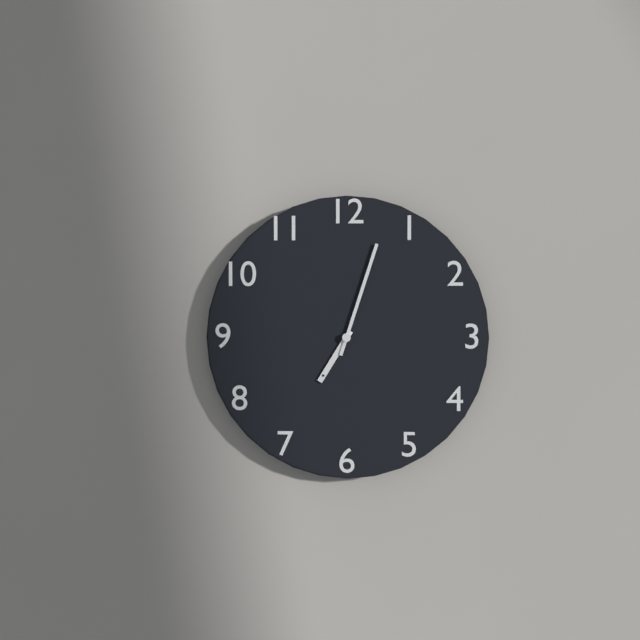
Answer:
7,03
